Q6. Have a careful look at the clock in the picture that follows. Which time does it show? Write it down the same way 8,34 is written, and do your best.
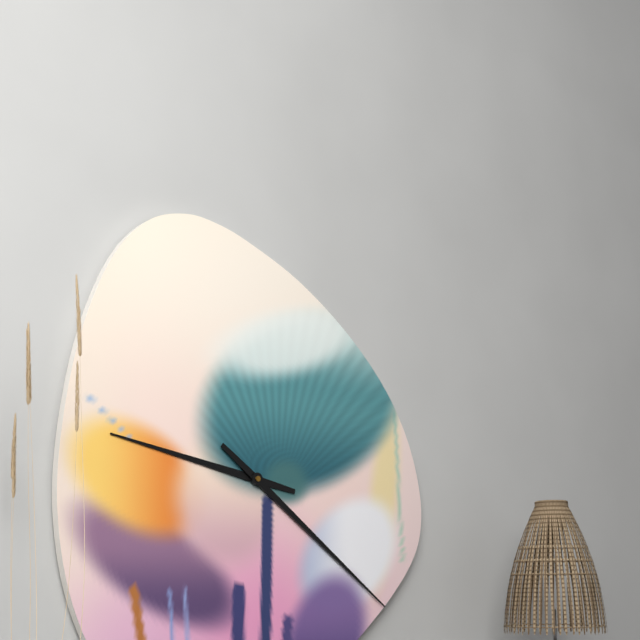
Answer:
9,21
